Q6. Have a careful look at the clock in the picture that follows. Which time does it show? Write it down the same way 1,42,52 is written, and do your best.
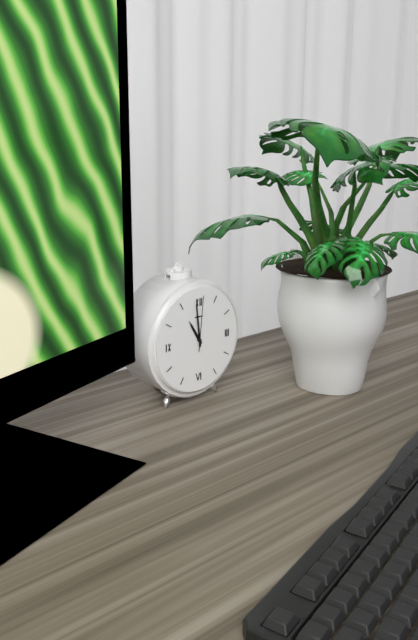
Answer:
10,59,01
